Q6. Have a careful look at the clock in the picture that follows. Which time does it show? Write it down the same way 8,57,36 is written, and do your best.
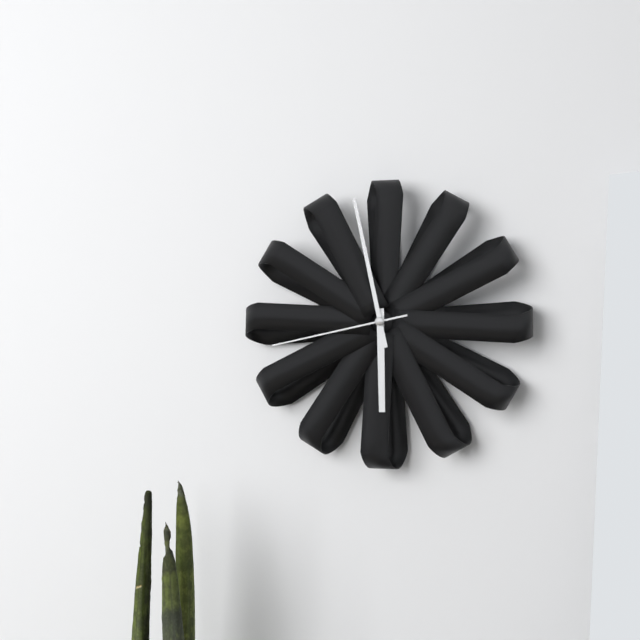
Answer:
5,58,43
